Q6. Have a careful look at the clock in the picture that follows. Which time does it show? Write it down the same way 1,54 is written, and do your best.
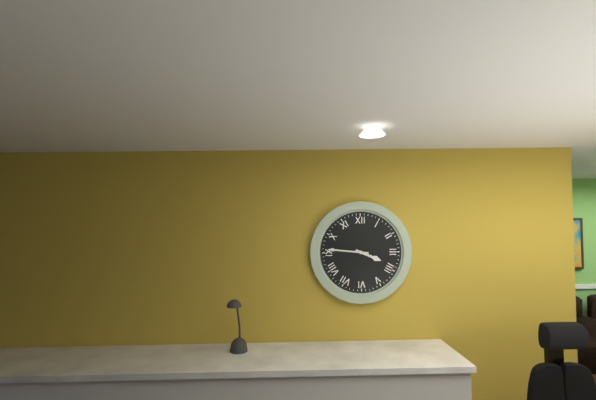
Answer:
3,46
